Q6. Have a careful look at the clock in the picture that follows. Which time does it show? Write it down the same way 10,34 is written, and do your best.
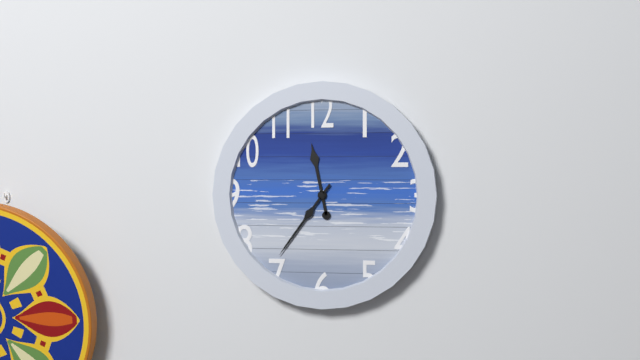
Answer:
11,36
